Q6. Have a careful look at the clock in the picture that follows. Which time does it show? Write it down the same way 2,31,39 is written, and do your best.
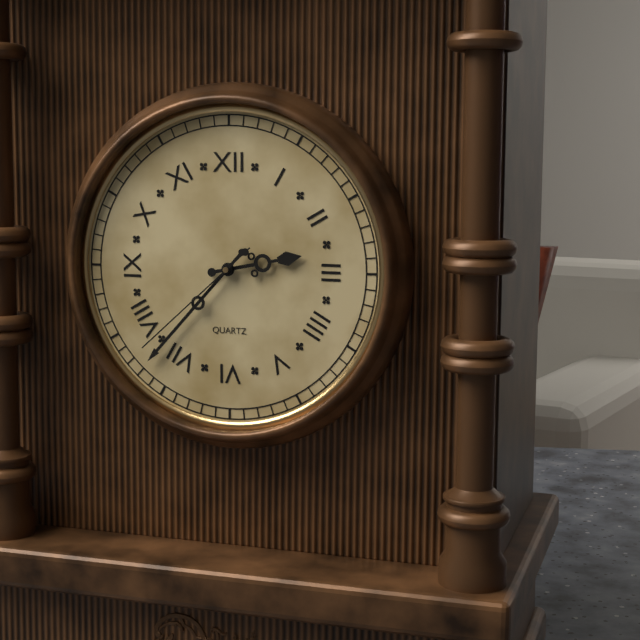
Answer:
2,37,38
